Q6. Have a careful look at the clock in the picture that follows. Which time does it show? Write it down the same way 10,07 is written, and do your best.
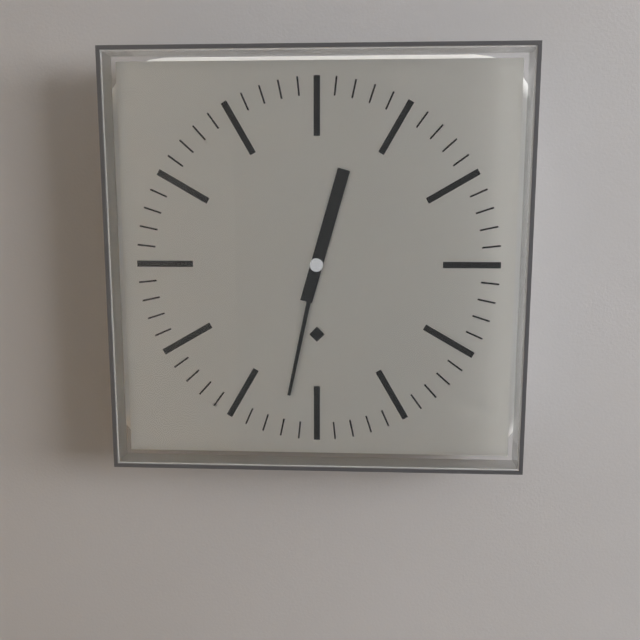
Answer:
12,32
